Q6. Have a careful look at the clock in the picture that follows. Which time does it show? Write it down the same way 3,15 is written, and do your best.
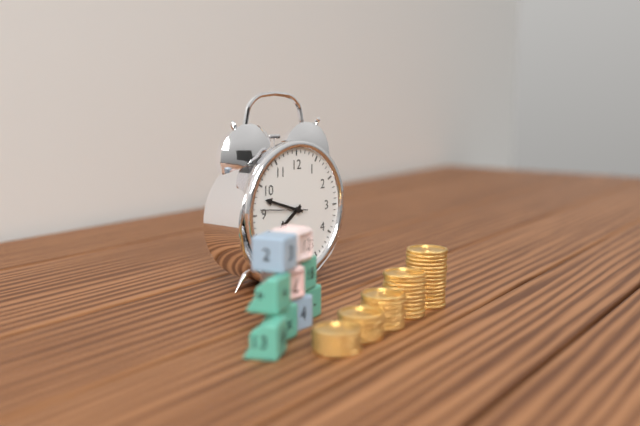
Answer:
7,48
